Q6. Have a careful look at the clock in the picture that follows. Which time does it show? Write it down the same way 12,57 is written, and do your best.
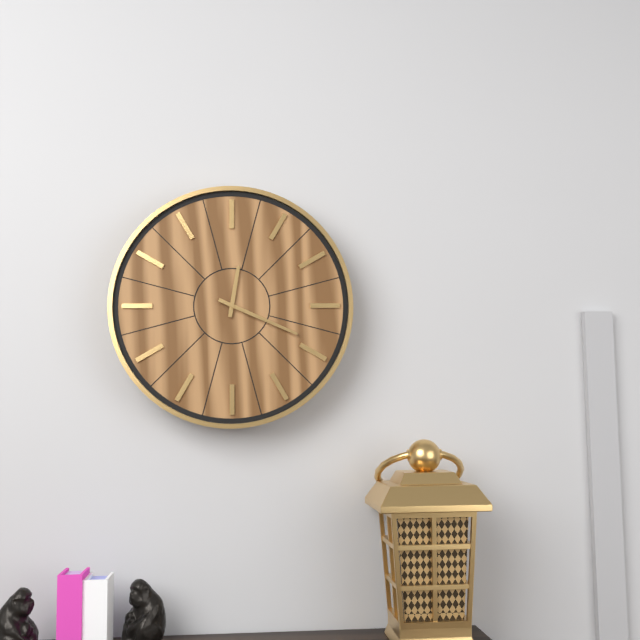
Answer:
12,19
